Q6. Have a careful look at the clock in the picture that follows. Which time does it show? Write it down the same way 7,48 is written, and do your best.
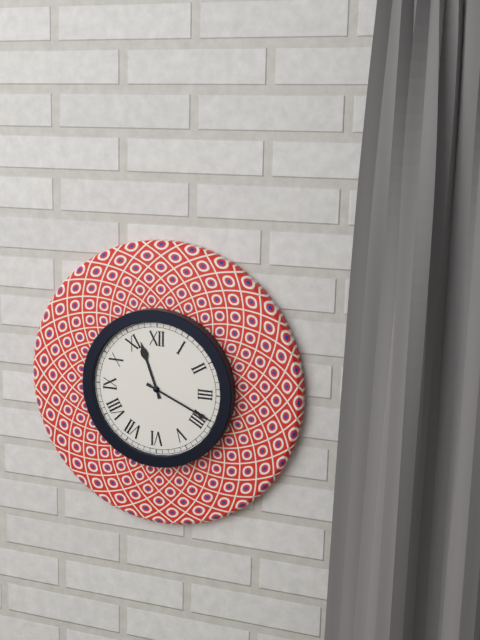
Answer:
11,19
